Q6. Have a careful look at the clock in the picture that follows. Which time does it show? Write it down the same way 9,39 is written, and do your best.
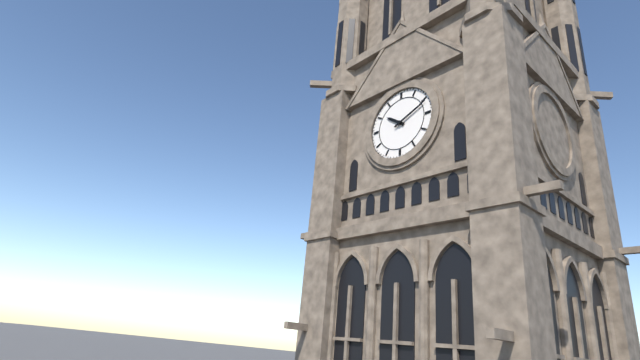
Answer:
10,11
